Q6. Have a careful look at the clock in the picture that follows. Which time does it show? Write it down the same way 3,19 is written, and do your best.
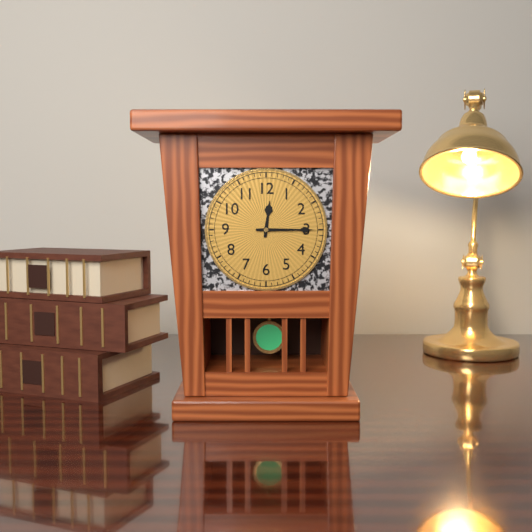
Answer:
12,15
